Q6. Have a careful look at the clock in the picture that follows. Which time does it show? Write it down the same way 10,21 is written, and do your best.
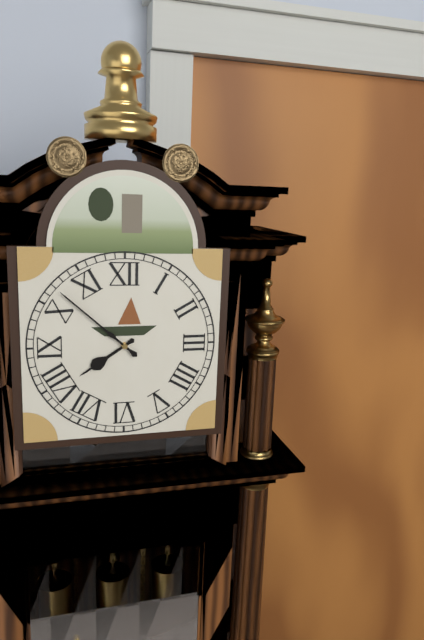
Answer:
7,52
